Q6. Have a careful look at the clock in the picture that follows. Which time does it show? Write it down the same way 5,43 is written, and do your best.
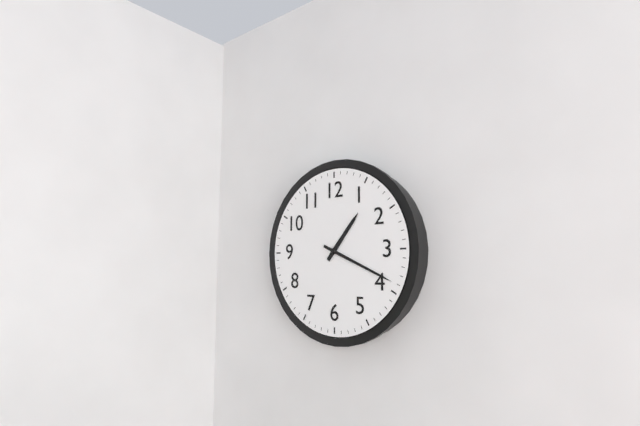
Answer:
1,19
